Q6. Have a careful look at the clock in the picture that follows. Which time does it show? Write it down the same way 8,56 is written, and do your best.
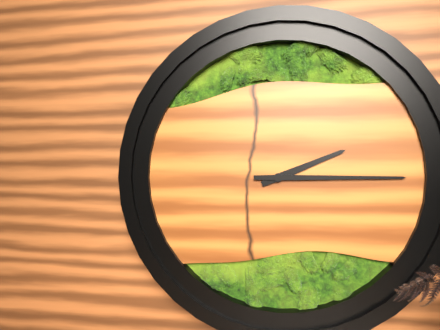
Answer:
2,15
